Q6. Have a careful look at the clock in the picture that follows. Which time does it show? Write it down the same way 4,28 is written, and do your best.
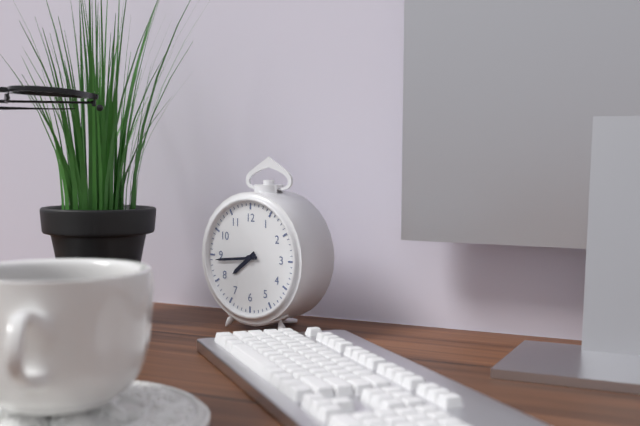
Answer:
7,44
